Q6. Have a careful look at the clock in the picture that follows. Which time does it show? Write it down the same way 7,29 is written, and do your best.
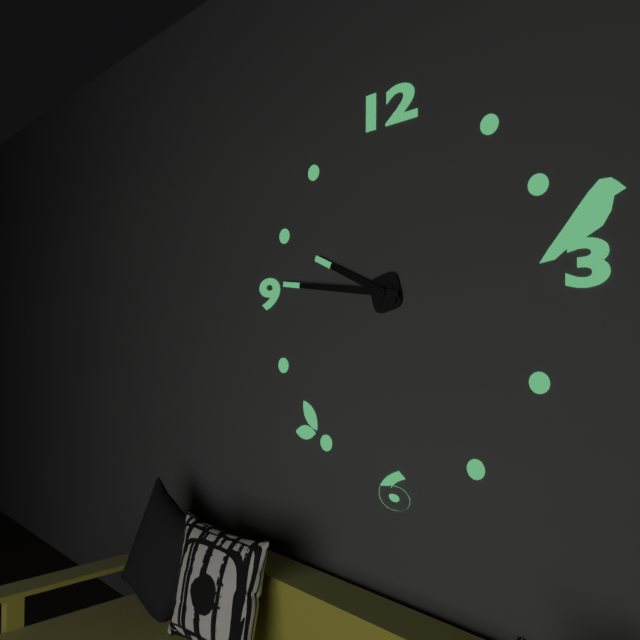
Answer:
9,46
